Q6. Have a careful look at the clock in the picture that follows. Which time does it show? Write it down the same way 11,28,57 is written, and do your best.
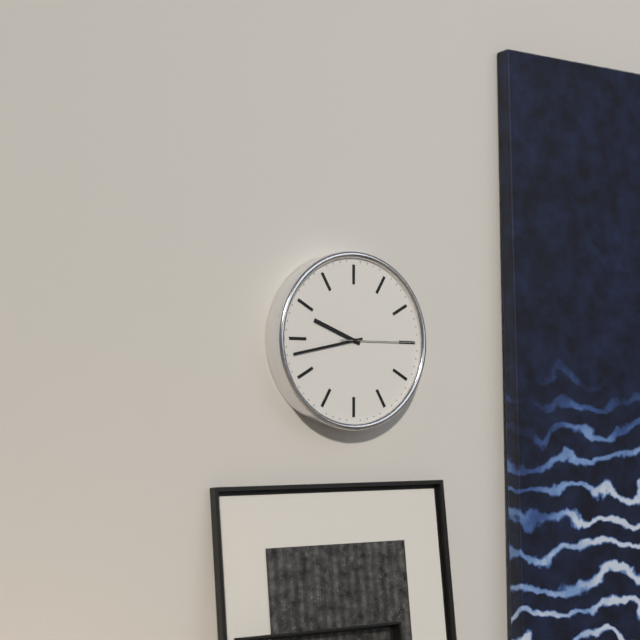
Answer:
9,43,15
